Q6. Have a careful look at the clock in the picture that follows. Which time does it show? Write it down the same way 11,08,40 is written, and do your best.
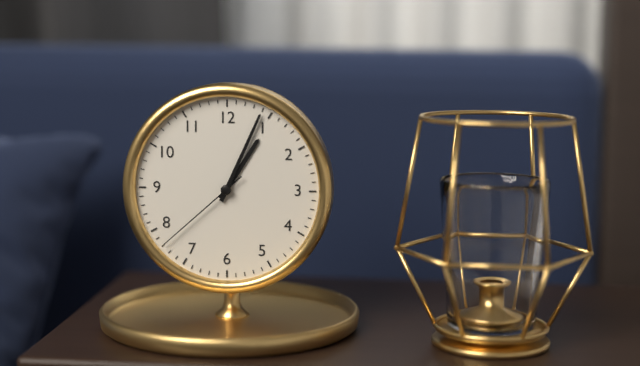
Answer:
1,04,38
